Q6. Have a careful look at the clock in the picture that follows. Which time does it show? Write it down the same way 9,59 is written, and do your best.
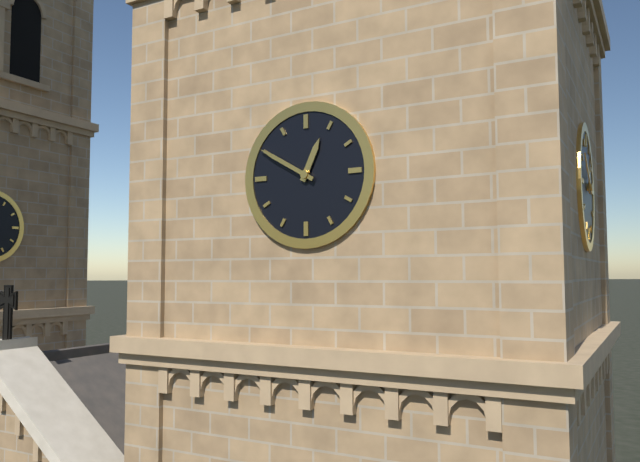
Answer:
12,50
